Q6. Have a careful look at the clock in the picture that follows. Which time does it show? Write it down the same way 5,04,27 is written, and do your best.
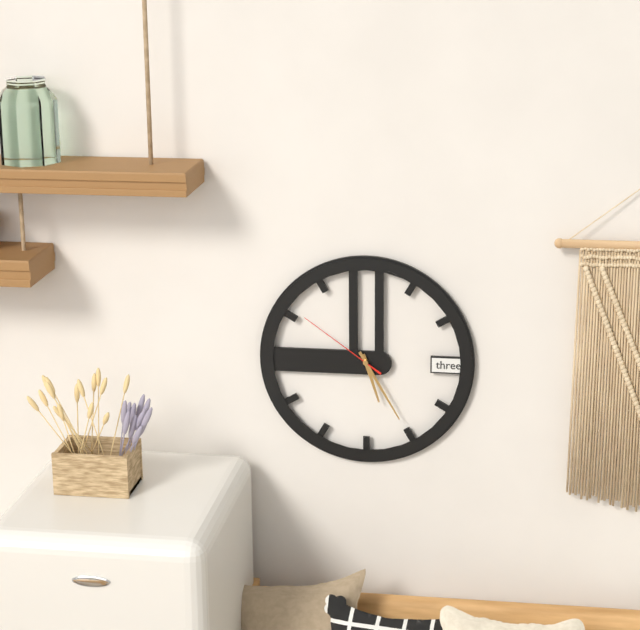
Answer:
5,25,51
